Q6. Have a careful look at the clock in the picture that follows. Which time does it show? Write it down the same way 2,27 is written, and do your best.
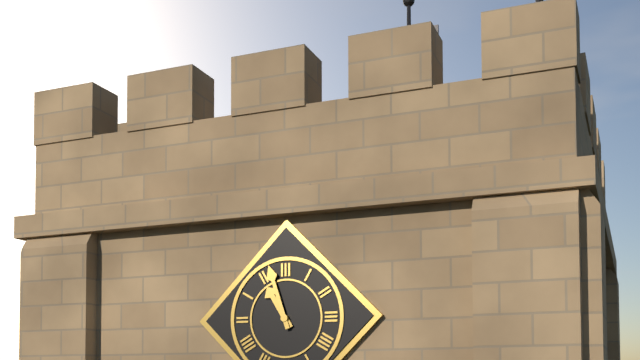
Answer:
10,57
